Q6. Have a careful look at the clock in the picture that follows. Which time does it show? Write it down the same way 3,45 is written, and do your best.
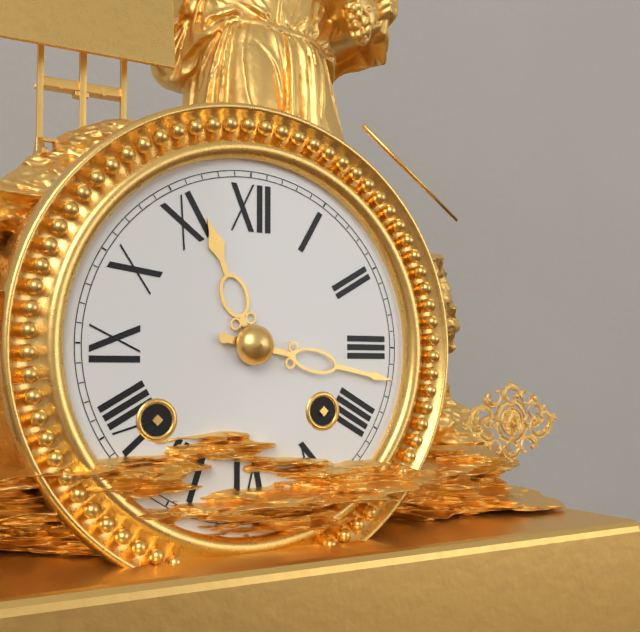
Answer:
11,17
